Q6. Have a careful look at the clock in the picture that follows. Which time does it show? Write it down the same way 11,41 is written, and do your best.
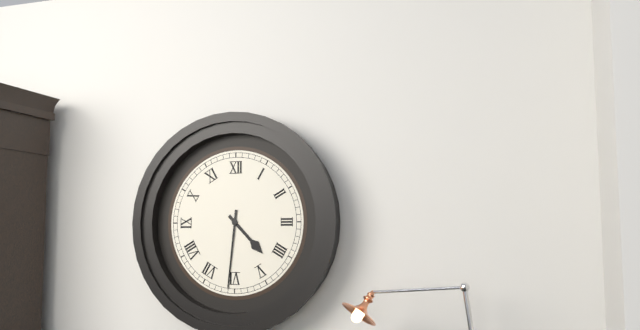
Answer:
4,31
